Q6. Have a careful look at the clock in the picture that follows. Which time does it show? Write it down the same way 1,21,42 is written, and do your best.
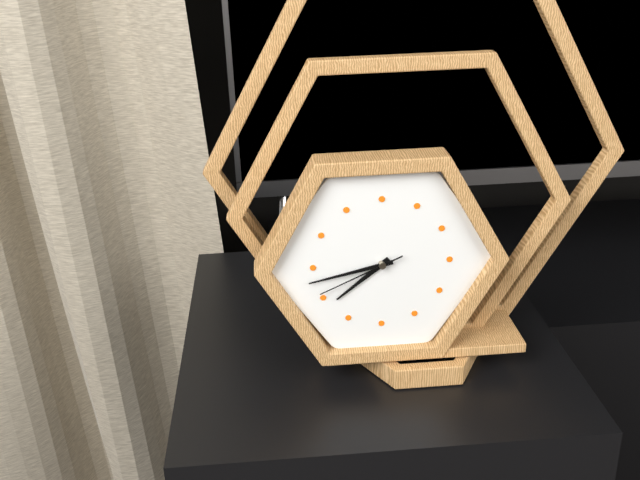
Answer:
7,43,41
